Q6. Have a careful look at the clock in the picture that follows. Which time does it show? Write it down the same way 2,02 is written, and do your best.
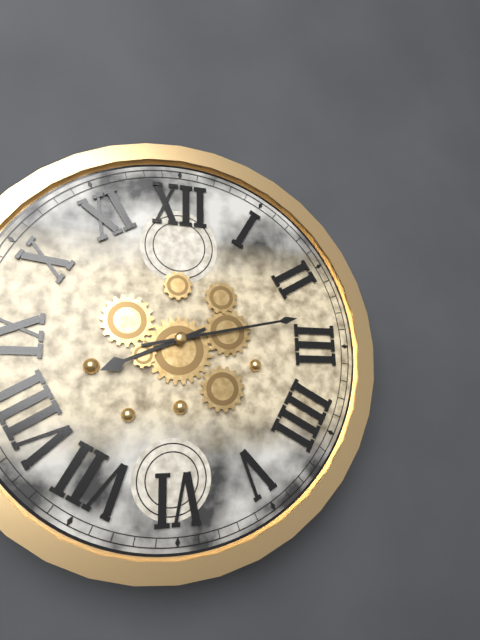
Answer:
8,13
